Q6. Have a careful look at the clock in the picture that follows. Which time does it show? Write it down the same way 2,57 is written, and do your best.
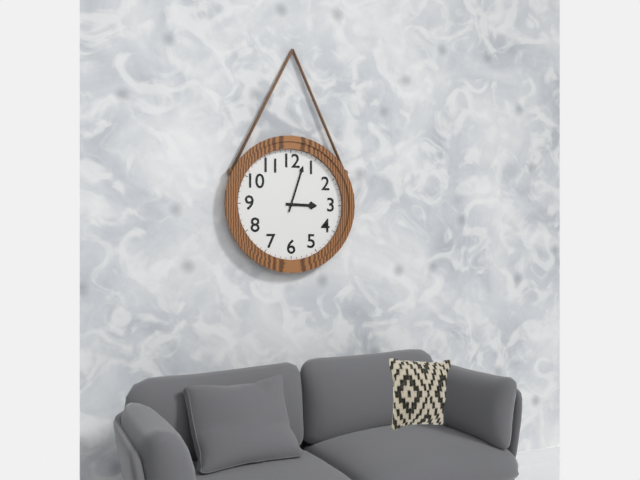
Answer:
3,03
